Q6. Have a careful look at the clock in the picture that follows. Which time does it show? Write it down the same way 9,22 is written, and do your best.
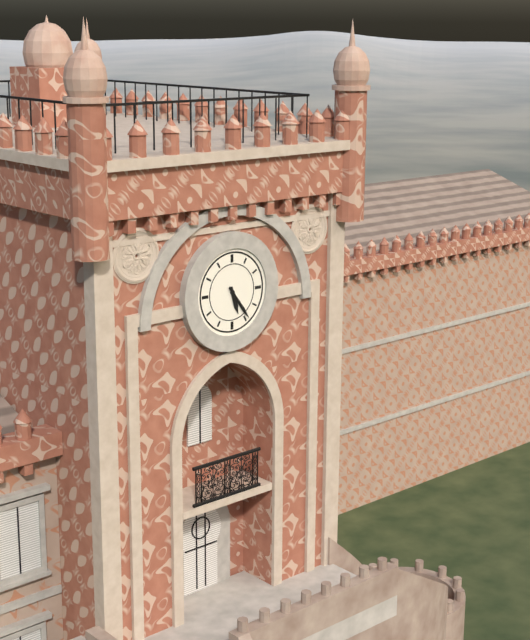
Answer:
5,24
